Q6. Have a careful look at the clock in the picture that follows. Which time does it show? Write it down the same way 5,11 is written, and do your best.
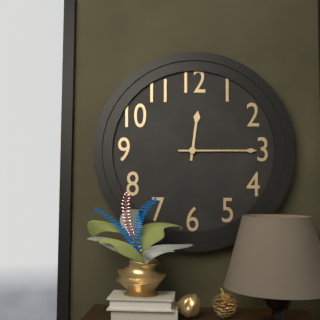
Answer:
12,15
